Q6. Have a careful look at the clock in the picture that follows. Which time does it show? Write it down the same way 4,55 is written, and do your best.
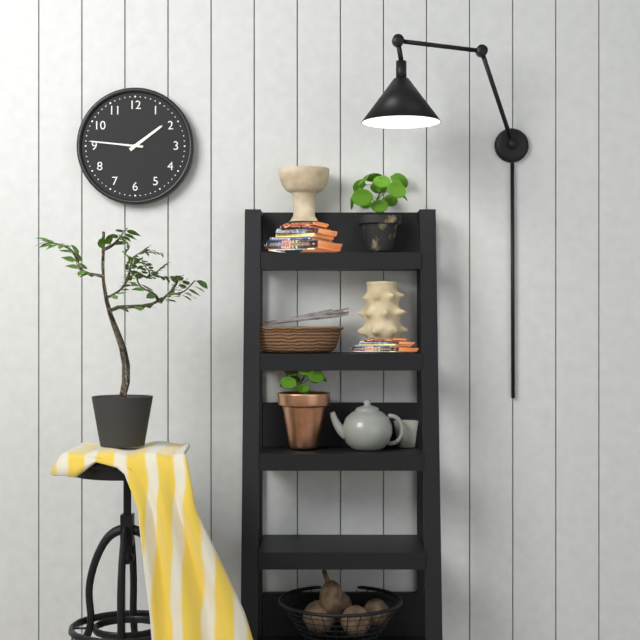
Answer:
1,46
